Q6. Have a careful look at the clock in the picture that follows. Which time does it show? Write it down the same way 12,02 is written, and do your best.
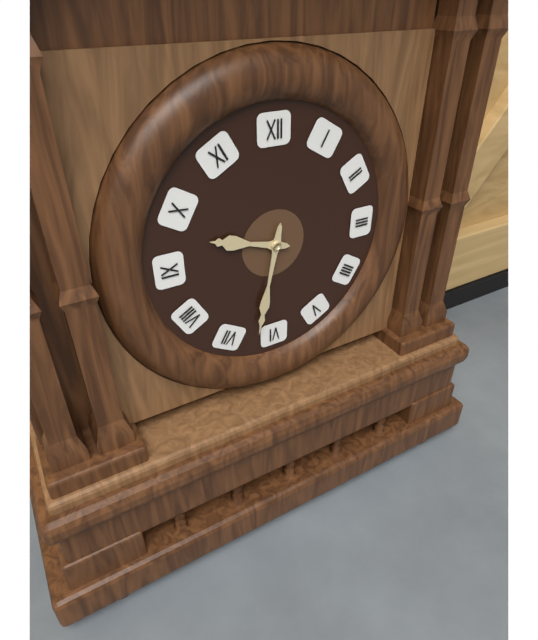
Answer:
9,32
